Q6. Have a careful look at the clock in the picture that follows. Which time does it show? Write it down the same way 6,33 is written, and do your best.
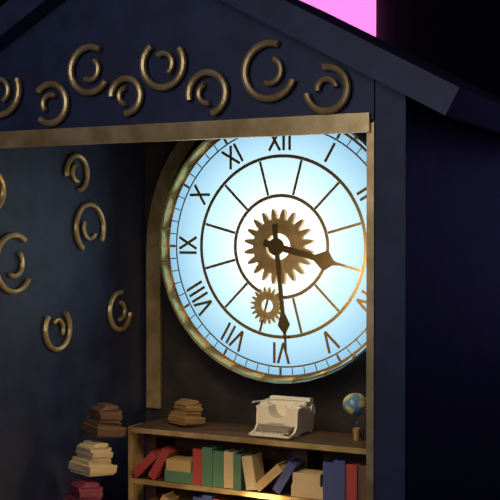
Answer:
3,29
